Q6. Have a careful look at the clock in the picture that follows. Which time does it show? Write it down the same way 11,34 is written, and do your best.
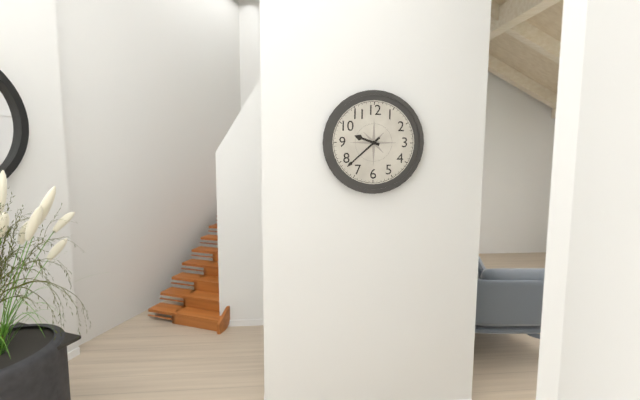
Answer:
9,38
